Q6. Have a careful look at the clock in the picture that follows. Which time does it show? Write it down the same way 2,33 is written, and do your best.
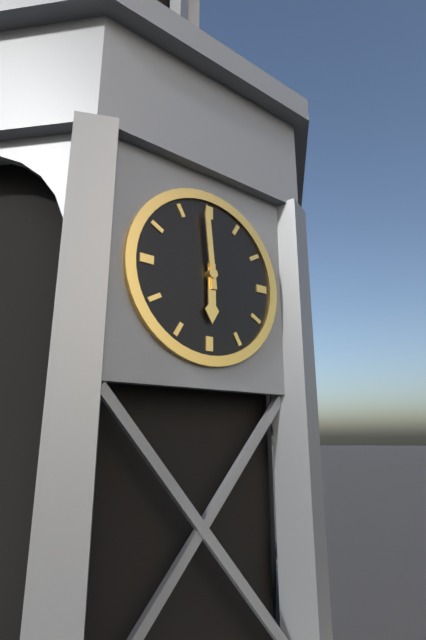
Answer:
5,59
